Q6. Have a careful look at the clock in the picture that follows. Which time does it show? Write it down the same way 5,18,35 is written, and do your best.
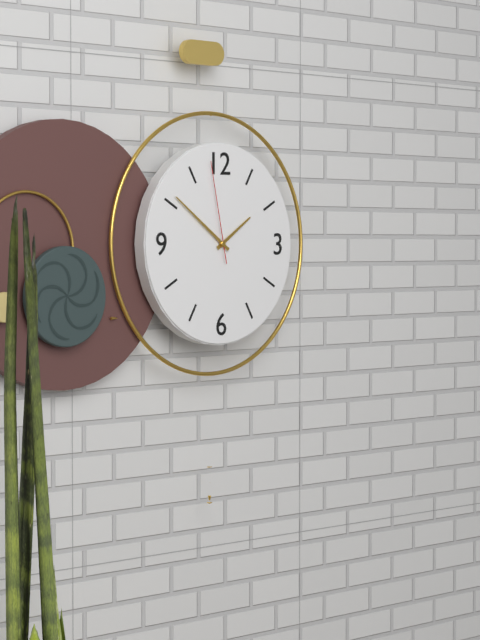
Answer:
1,51,58
